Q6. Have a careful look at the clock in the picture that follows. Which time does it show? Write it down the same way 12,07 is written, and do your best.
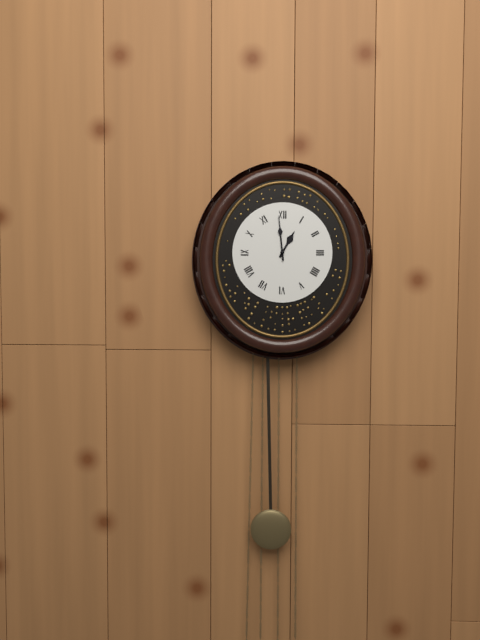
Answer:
12,59
